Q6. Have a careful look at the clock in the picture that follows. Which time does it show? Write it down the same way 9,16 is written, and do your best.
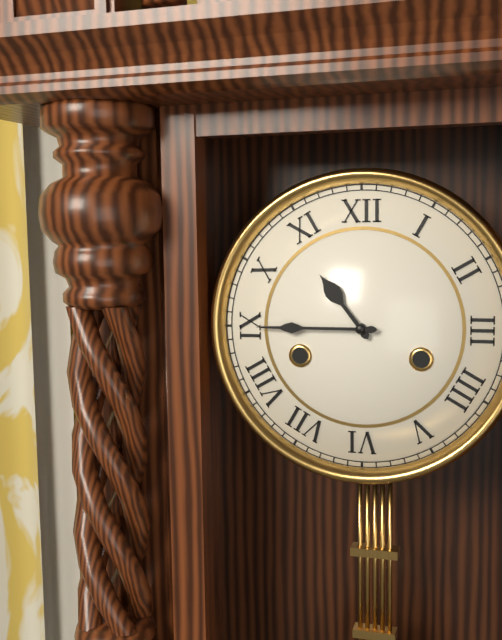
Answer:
10,45
